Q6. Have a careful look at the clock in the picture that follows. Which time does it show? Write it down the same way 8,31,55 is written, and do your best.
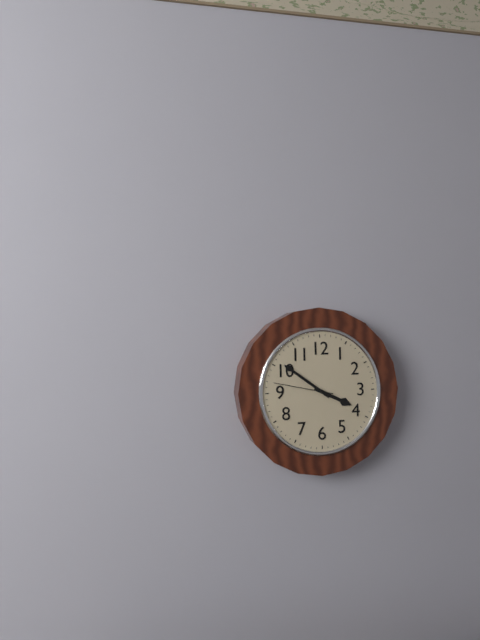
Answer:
3,51,47
